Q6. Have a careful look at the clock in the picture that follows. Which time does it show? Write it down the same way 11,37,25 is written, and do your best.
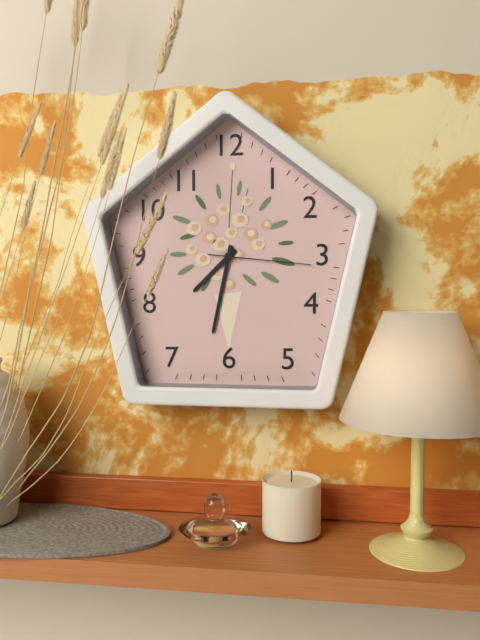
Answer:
7,32,16
